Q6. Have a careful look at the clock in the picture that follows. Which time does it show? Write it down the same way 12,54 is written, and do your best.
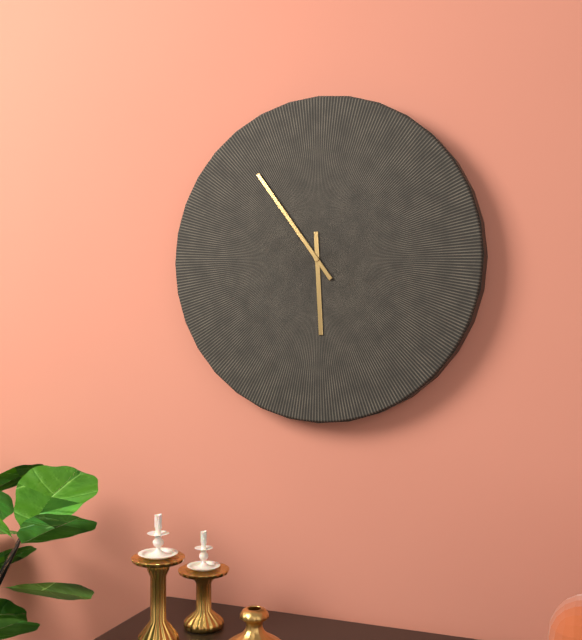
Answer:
5,54
